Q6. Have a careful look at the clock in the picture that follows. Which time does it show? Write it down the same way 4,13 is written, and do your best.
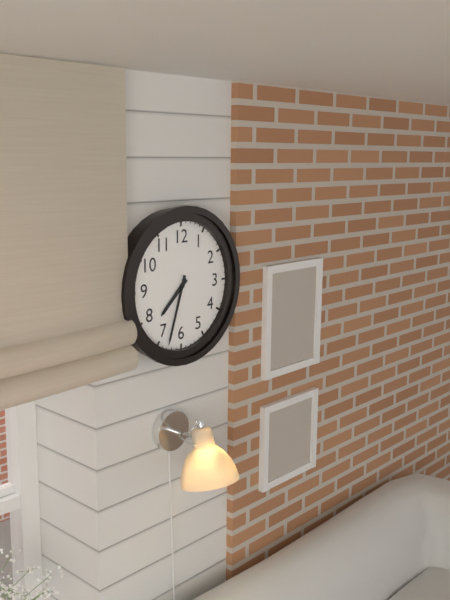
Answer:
7,33
